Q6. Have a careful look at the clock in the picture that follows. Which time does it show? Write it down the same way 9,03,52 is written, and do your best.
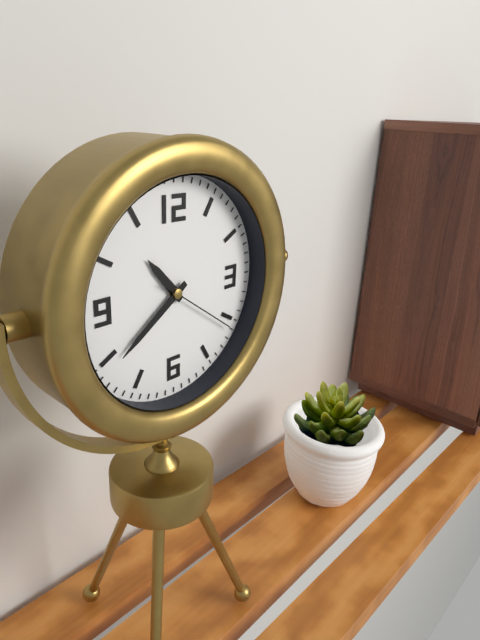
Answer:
10,39,21
